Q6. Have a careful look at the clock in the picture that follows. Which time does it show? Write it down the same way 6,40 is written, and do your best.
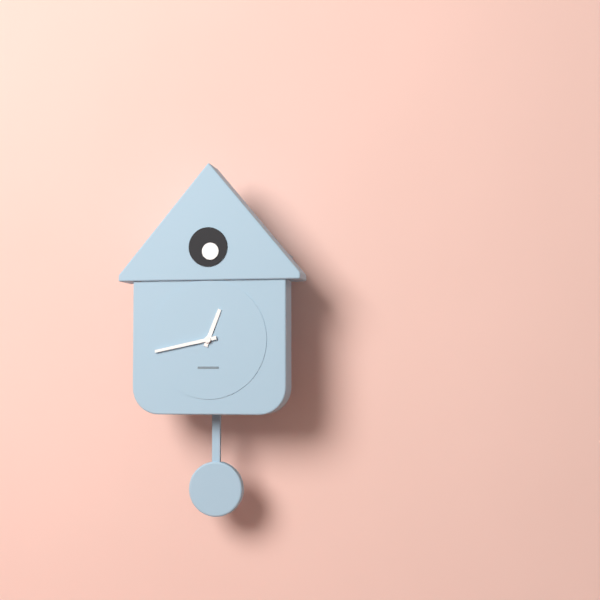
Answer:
12,43
